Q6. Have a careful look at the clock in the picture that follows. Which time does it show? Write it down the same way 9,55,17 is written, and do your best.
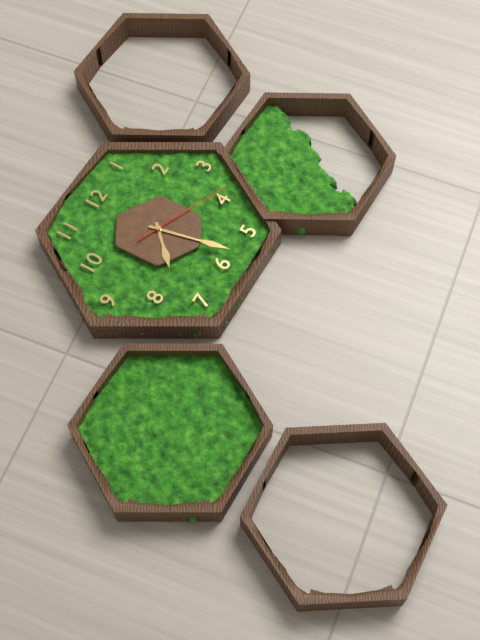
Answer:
7,28,19
